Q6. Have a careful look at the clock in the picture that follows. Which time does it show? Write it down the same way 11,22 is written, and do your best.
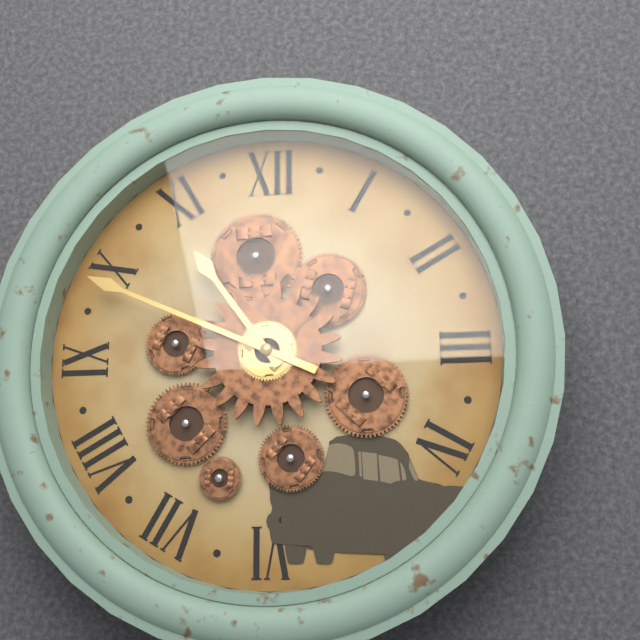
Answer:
10,49
